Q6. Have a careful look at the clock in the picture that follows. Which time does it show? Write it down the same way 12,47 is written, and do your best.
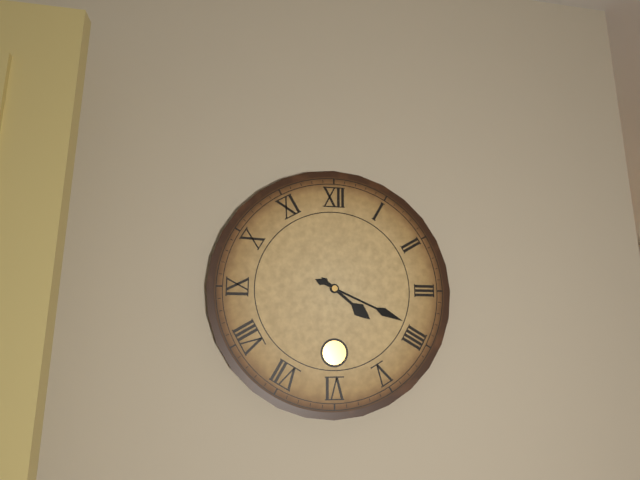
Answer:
4,19
